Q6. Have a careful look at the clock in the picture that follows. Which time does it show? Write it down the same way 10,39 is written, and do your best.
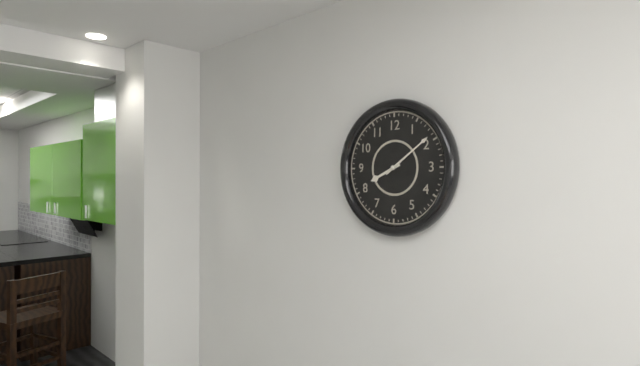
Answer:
8,09
